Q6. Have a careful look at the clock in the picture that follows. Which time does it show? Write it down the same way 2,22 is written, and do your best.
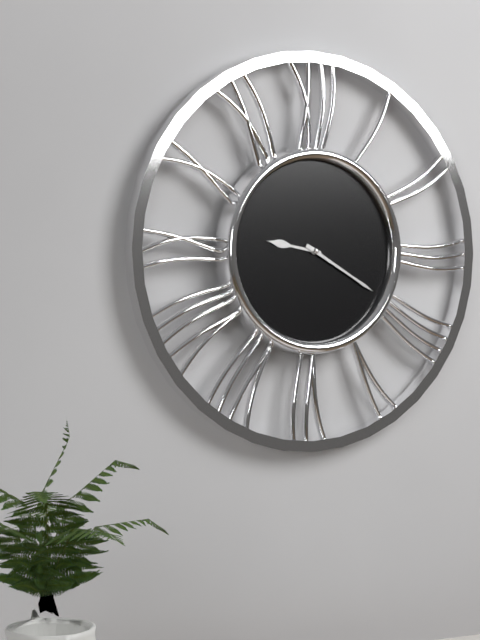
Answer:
9,20
